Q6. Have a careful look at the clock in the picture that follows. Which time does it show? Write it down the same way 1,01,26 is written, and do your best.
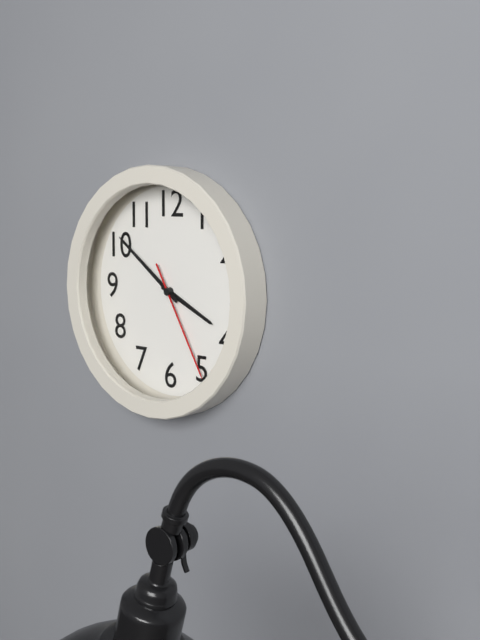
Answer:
3,51,25
